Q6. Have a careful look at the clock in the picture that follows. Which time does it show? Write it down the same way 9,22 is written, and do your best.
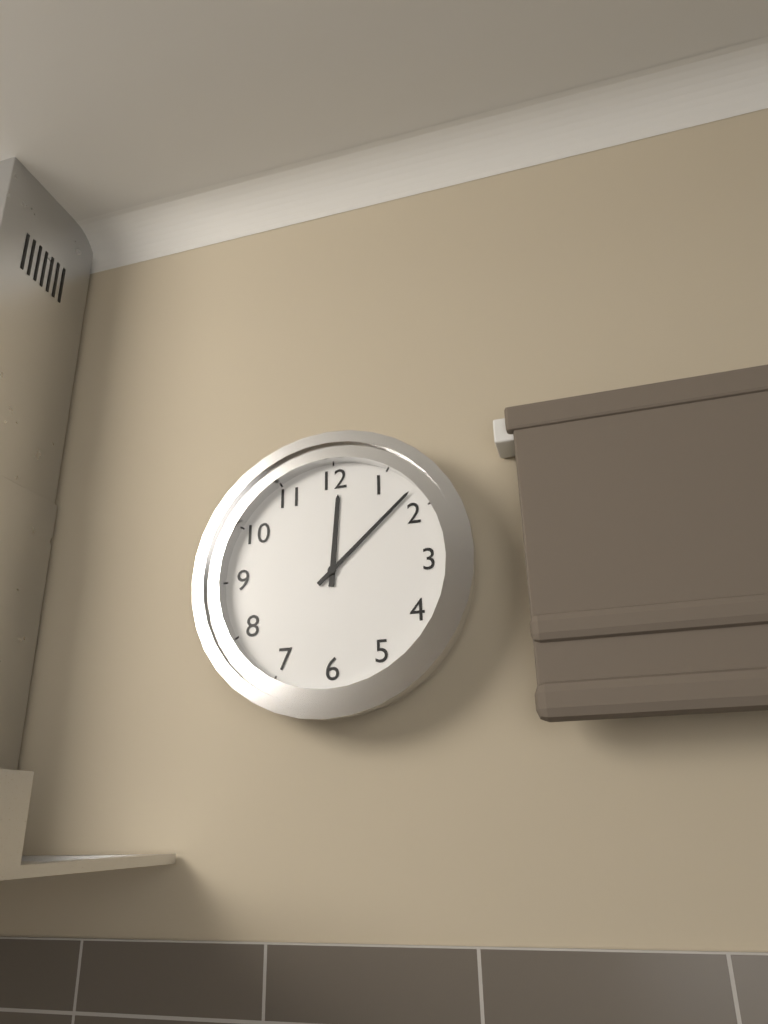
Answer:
12,08
